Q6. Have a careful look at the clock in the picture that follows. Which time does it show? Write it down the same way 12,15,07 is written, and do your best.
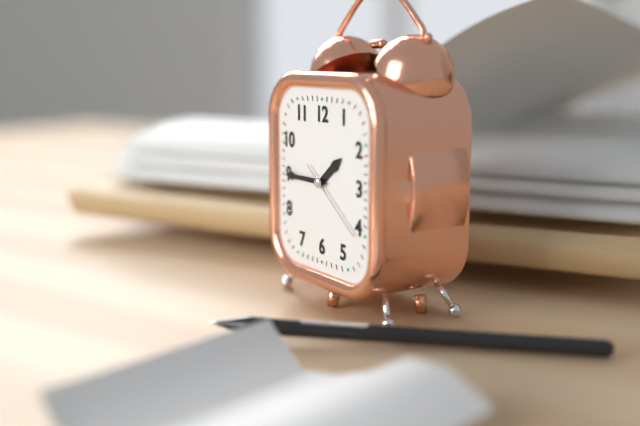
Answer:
1,45,21
